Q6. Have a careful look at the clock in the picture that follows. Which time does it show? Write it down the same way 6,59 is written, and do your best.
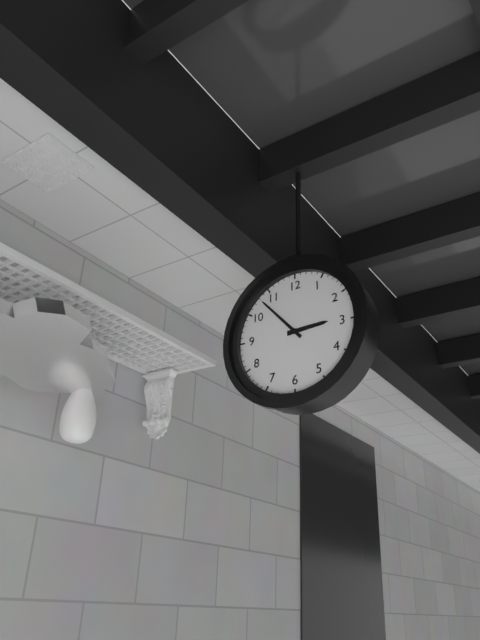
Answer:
2,53
